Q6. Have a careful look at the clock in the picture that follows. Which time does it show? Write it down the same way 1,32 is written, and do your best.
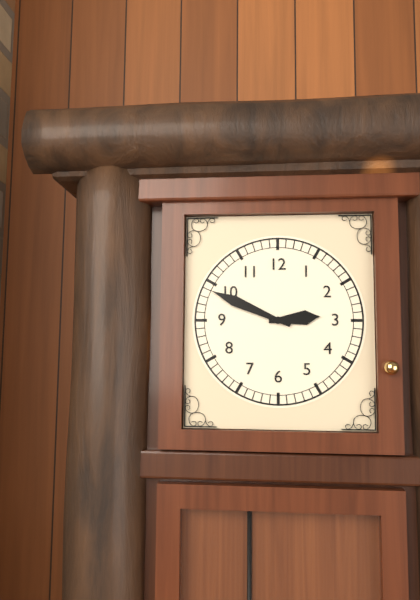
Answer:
2,49
